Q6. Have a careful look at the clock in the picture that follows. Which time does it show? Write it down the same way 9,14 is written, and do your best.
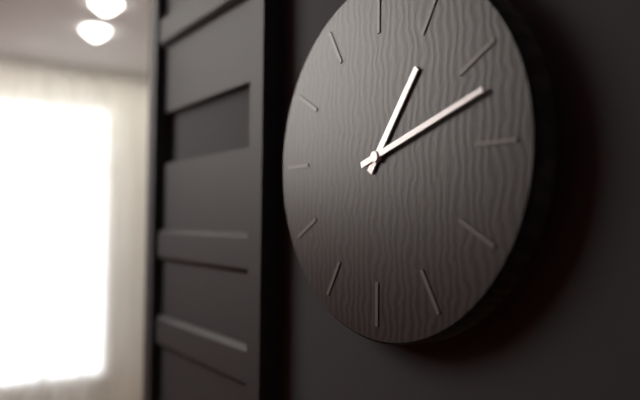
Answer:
1,12
